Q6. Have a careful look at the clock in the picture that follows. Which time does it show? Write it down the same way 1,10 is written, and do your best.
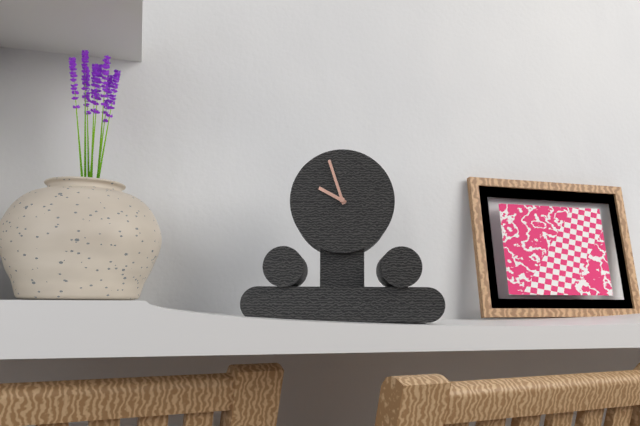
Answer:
9,57
